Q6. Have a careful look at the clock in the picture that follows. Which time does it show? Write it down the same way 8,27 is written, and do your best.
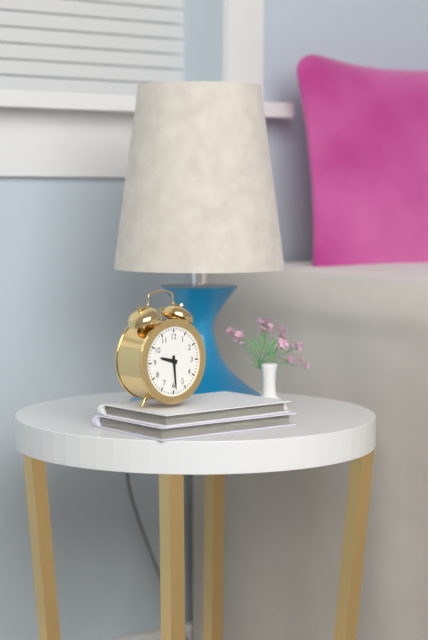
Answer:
9,29
